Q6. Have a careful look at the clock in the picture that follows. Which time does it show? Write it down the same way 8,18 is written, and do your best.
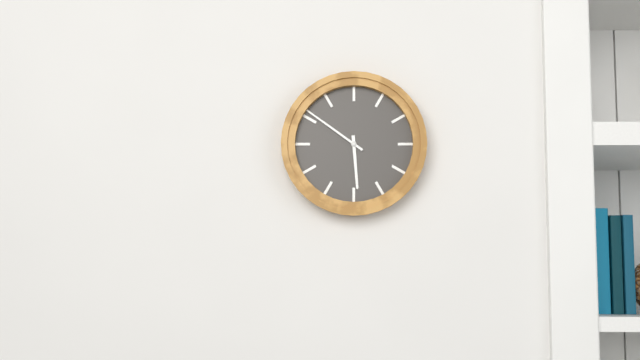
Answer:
5,51
